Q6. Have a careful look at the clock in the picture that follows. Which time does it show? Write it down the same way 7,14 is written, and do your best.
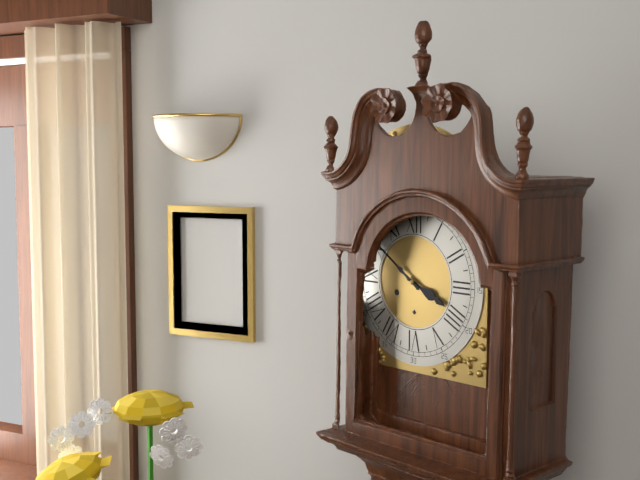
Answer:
3,51
